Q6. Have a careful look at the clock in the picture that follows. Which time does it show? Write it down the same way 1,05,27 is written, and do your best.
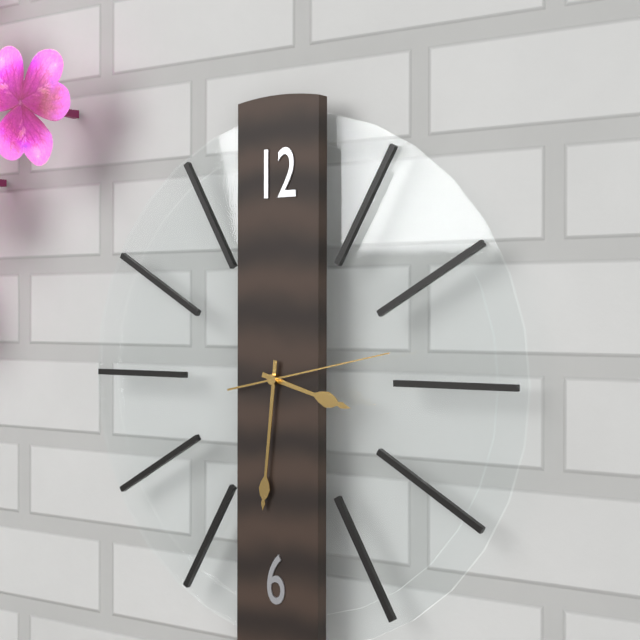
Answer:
3,31,13
